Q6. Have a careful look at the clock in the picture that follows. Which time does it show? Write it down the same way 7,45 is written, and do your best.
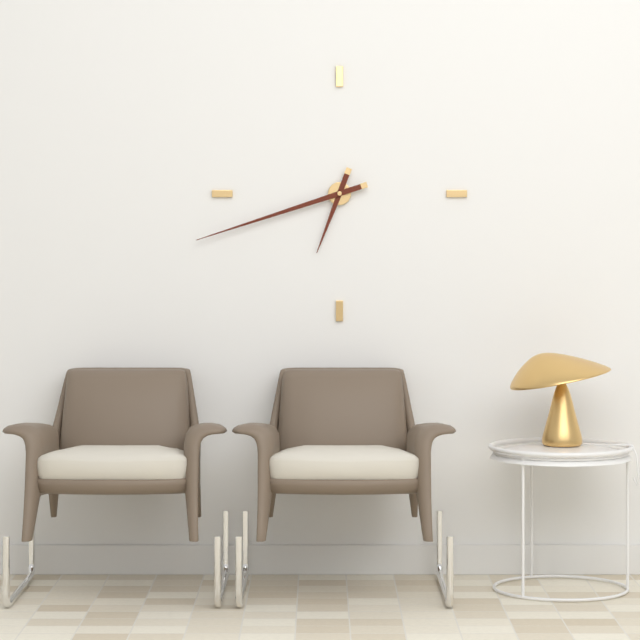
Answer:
6,42
